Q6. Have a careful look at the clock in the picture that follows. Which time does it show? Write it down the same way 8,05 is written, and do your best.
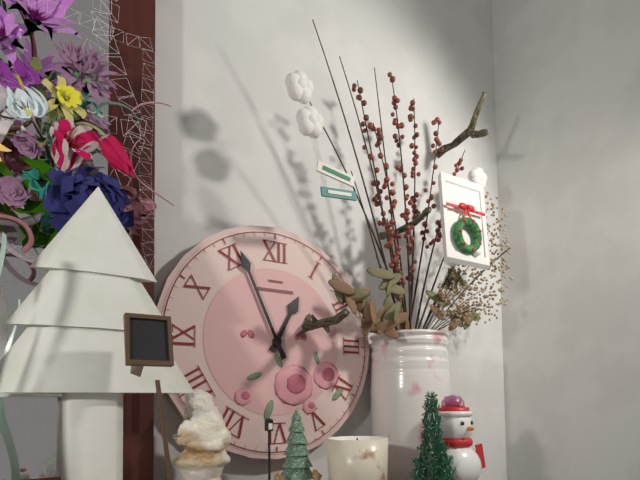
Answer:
12,56
